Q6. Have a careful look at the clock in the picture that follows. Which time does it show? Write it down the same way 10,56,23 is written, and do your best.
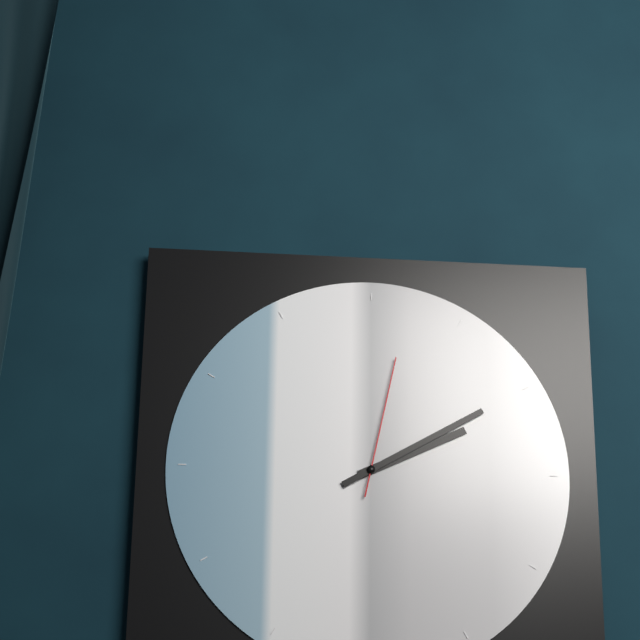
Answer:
2,10,02
